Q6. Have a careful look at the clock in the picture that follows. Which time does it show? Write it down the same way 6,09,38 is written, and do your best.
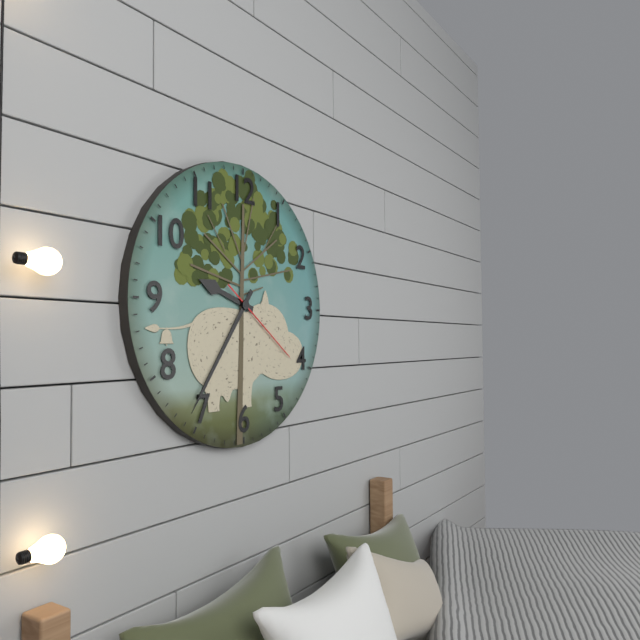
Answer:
9,36,21
